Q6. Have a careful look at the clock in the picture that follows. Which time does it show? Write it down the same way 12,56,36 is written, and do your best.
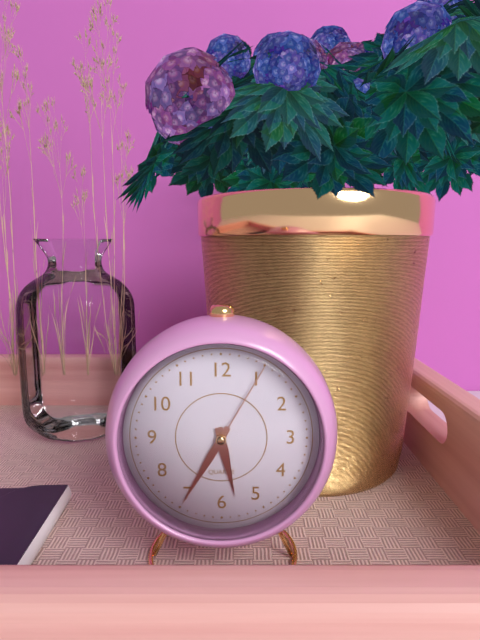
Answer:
5,35,05
